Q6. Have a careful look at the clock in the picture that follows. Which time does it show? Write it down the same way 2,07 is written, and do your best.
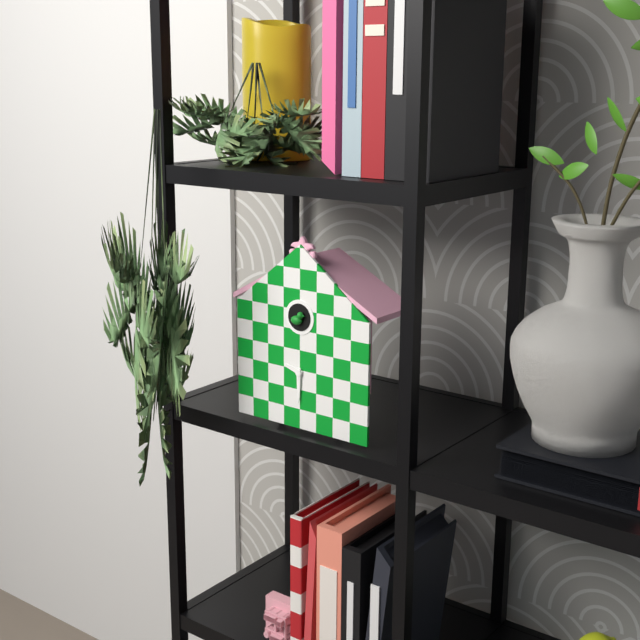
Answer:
9,30
